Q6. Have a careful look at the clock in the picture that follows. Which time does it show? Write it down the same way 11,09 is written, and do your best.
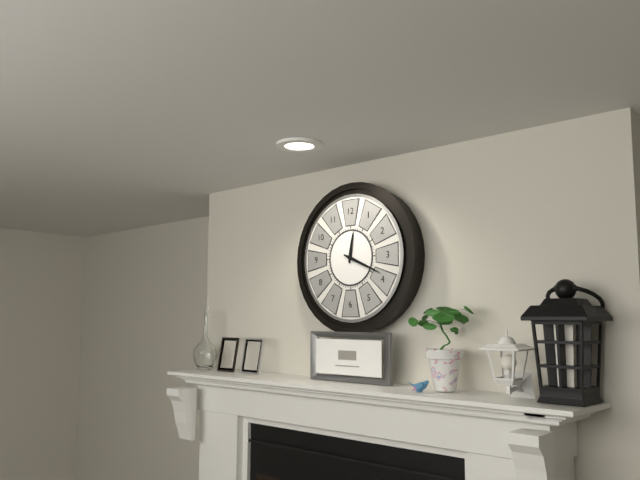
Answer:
12,19
